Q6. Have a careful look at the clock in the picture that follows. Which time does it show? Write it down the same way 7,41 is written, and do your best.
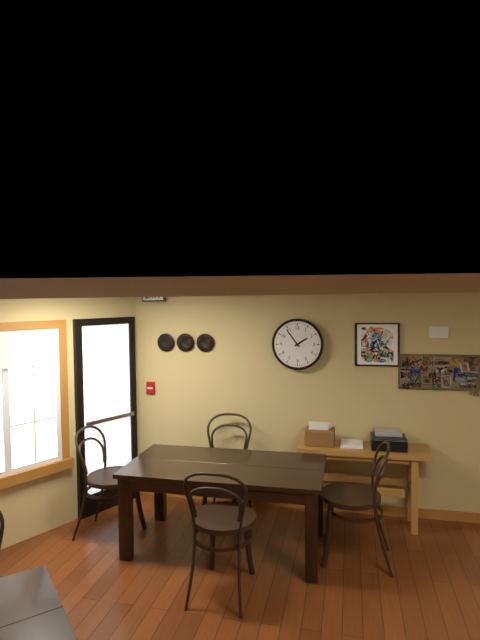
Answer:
1,54
